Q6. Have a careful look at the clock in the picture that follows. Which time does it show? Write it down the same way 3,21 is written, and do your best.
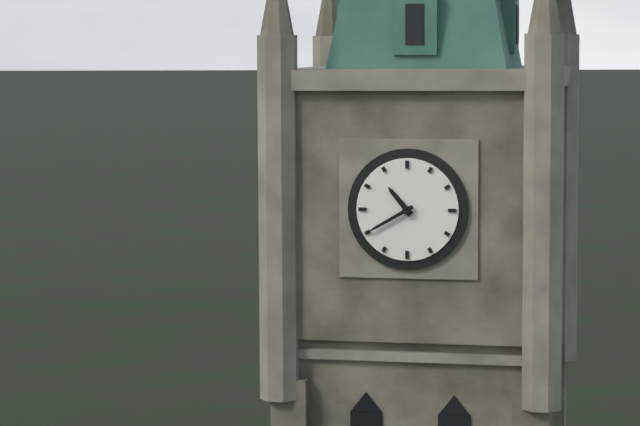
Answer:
10,40
